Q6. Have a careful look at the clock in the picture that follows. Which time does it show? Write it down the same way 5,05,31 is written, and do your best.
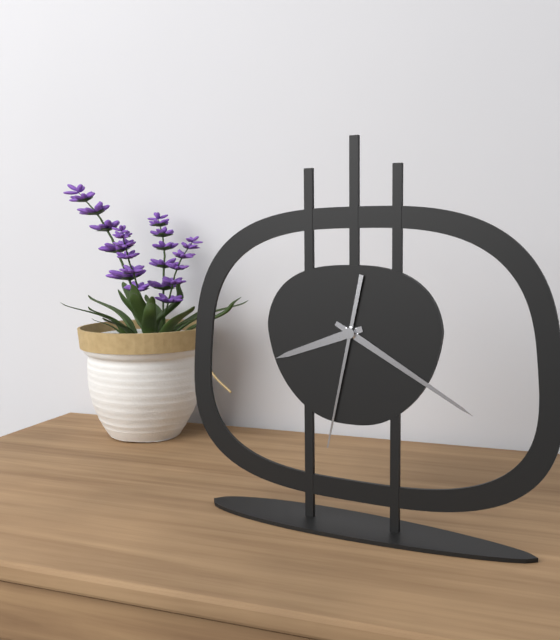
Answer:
8,20,32
